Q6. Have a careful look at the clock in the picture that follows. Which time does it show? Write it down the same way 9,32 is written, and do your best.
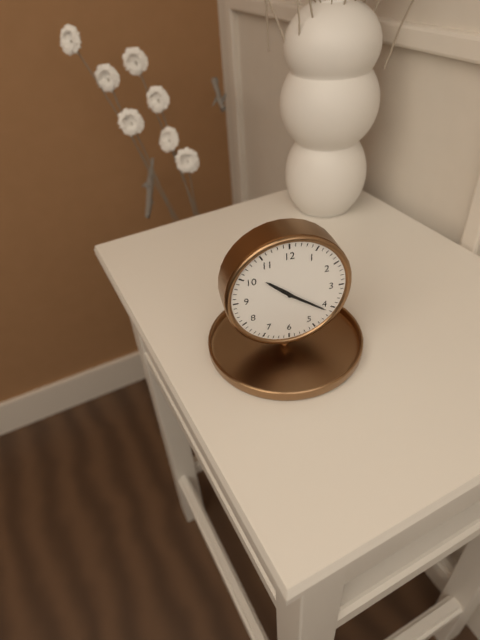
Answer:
10,21
